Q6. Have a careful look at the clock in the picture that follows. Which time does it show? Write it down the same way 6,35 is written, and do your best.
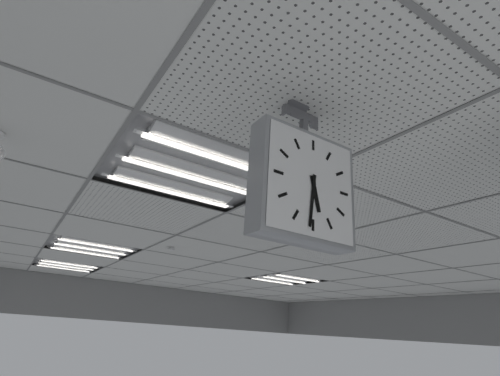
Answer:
5,31
